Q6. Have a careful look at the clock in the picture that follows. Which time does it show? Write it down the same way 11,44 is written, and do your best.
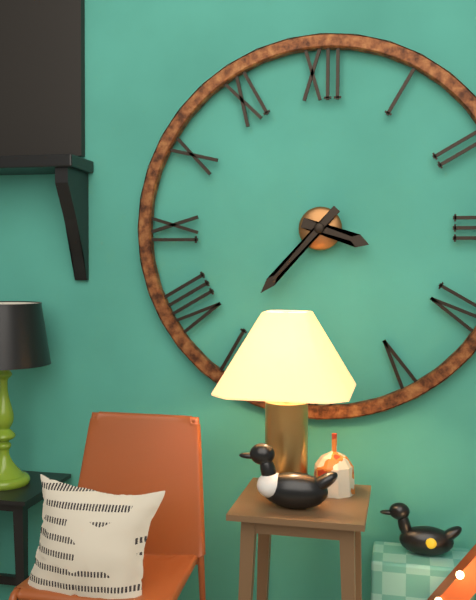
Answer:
3,37
